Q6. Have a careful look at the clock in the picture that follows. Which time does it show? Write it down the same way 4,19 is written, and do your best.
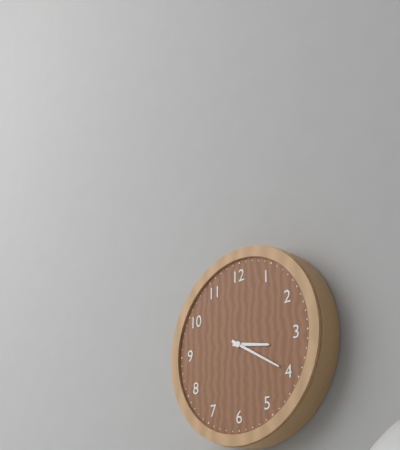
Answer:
3,20
